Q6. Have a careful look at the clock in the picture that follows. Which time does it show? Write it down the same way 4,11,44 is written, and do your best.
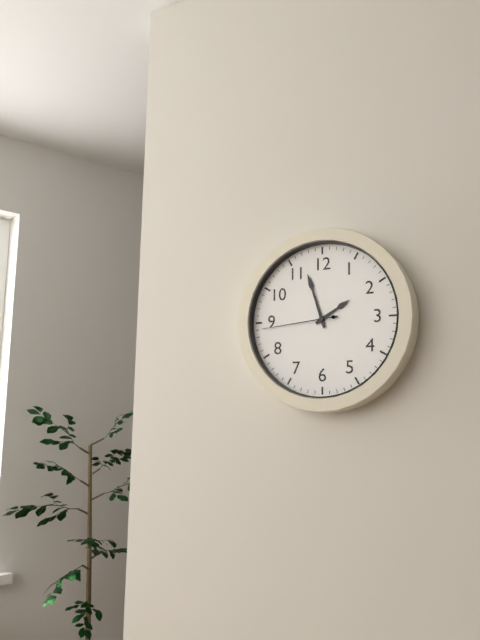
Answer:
1,57,44
